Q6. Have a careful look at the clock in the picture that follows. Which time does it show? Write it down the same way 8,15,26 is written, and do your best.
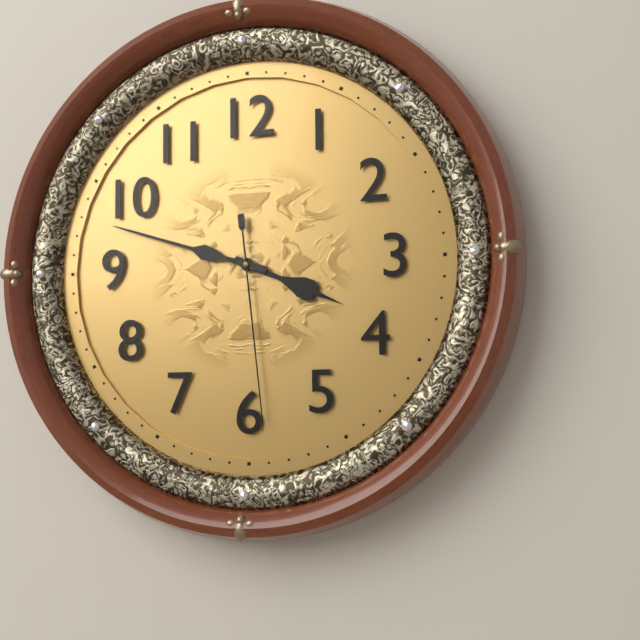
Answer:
3,48,29
